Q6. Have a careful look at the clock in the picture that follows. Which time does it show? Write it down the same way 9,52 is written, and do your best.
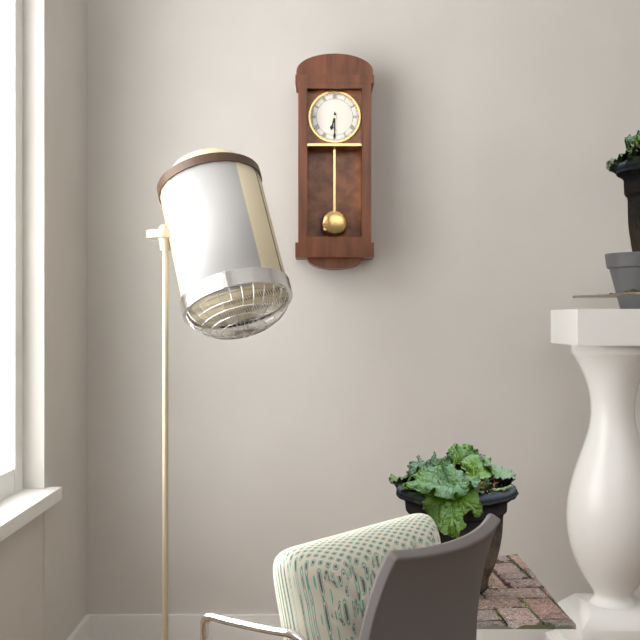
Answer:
6,30
